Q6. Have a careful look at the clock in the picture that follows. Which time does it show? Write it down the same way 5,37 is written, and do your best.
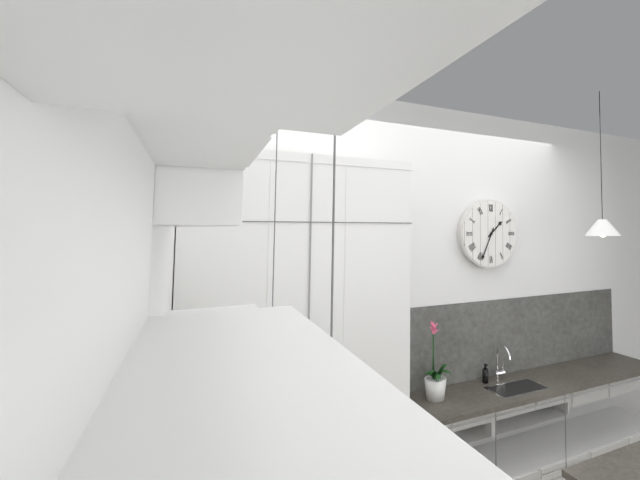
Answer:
1,34
